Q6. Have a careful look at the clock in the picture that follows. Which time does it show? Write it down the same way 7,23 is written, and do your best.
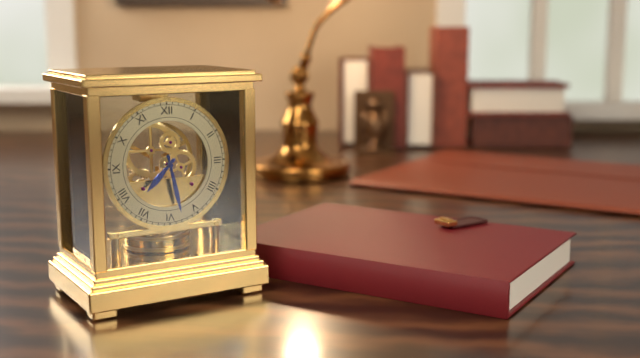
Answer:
7,28
